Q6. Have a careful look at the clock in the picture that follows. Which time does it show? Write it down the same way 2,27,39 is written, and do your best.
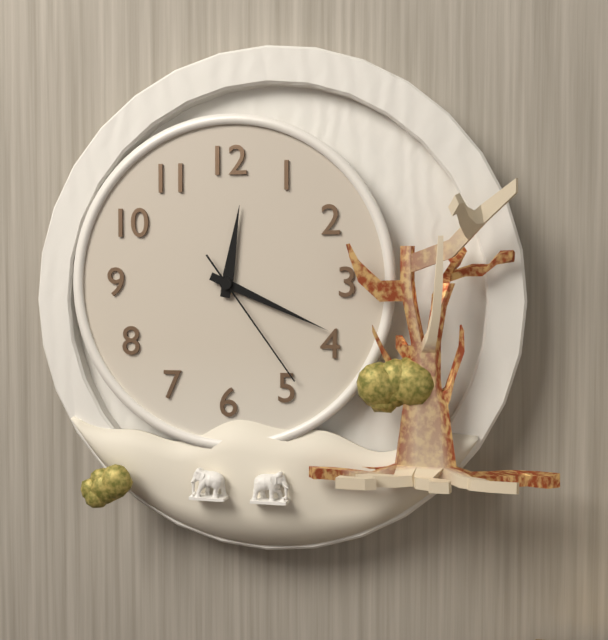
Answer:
12,19,24
